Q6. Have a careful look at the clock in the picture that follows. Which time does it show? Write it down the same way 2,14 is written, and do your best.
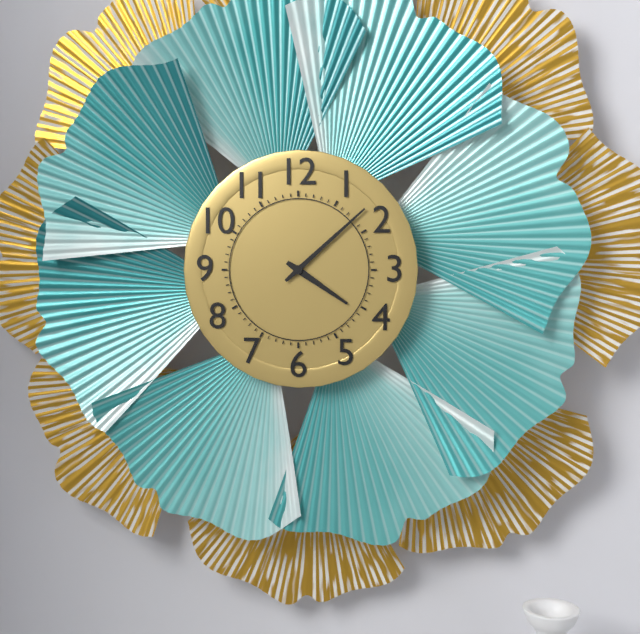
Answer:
4,08
